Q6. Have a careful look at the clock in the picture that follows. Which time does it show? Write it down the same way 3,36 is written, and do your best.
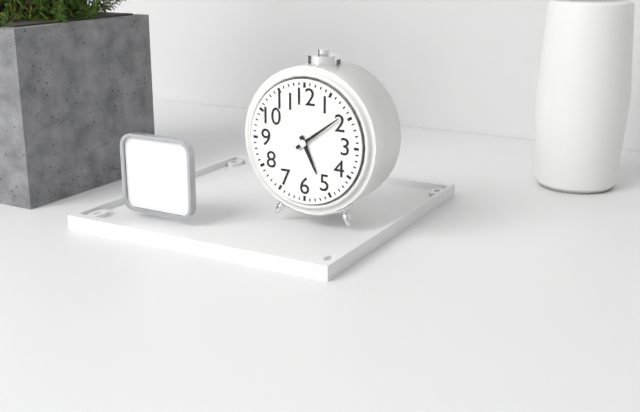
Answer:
5,09
